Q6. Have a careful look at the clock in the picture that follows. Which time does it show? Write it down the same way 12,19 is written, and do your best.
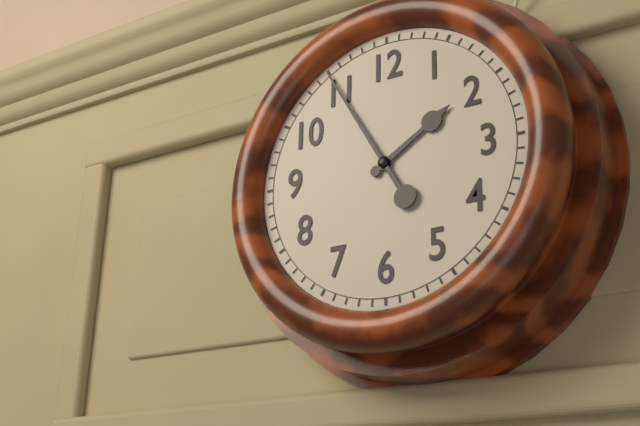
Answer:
1,55
